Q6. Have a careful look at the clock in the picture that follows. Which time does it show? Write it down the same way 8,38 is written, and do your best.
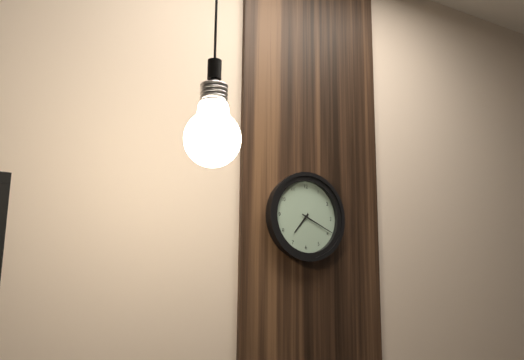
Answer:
7,19
